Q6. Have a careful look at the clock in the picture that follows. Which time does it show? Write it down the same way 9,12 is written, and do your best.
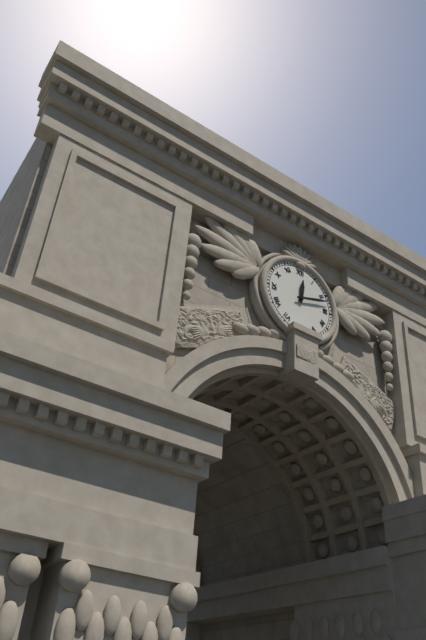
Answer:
12,12
